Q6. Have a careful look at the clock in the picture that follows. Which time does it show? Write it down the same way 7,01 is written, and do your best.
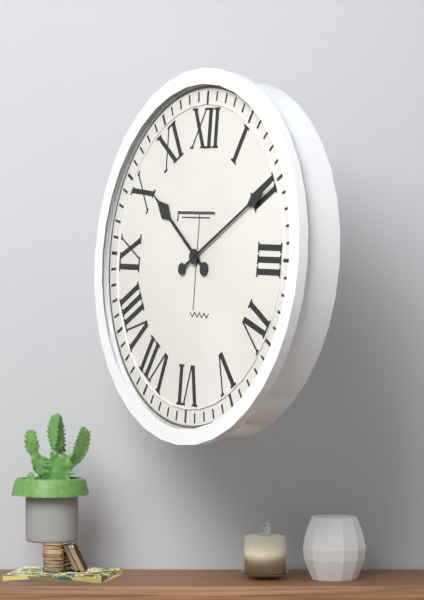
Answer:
10,10
